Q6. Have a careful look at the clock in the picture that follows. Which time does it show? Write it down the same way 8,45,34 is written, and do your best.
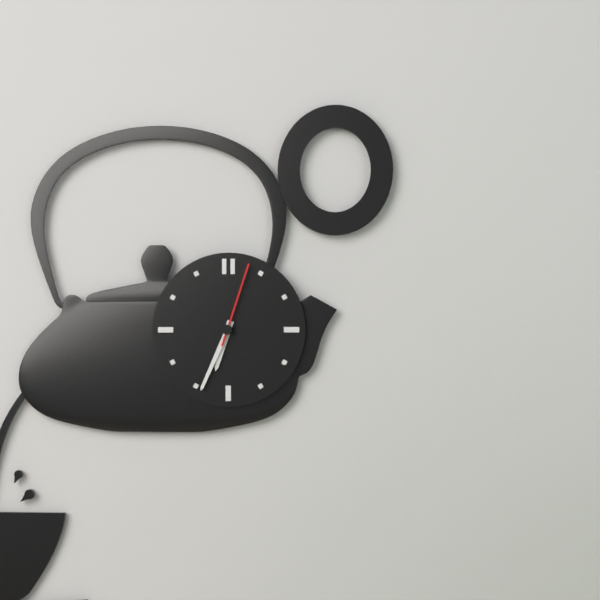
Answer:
6,34,03
